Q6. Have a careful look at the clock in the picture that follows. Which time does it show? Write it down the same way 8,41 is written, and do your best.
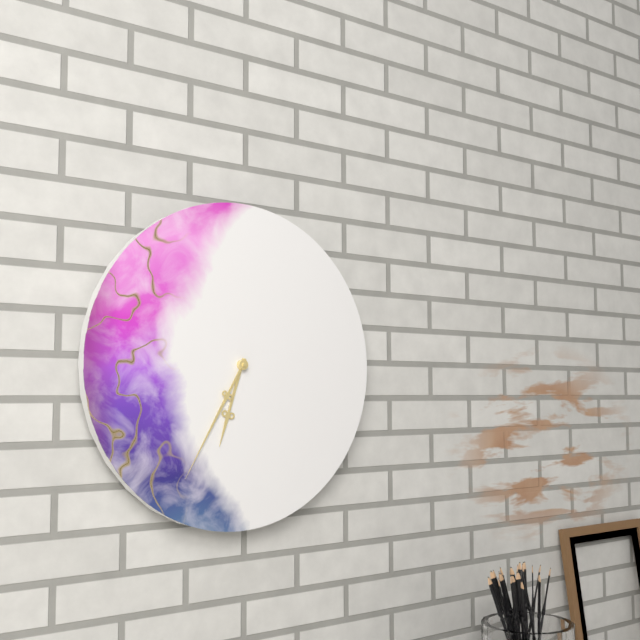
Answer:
6,35
